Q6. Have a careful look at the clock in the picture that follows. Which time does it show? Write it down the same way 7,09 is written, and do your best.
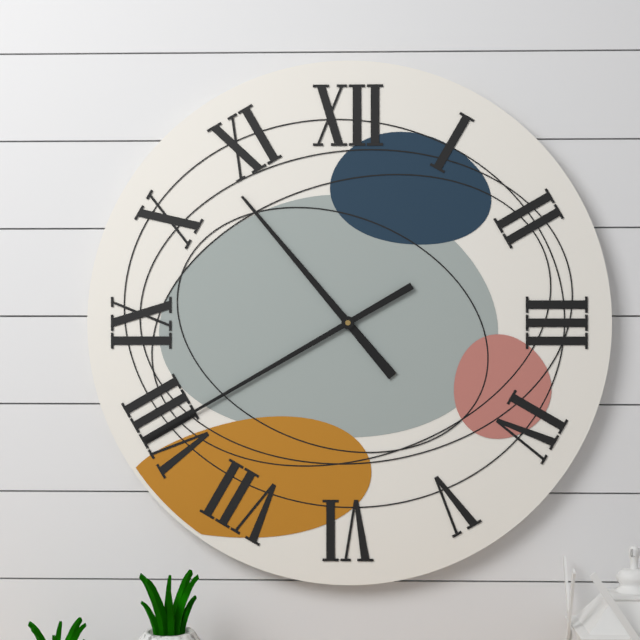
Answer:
10,40
